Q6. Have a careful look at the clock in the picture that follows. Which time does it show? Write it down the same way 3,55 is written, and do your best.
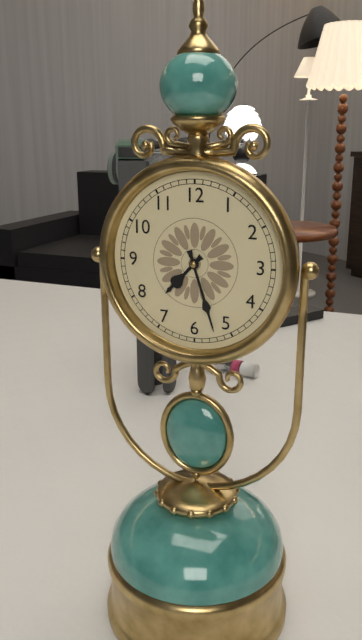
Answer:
7,27
